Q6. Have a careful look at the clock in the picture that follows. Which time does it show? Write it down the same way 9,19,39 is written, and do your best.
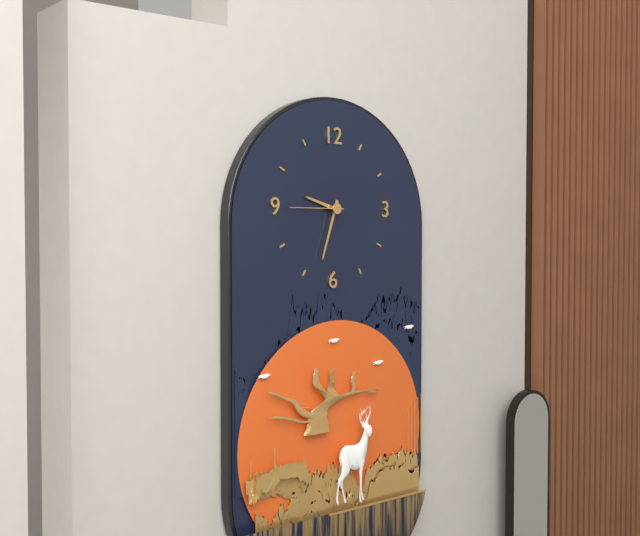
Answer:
9,33,45
